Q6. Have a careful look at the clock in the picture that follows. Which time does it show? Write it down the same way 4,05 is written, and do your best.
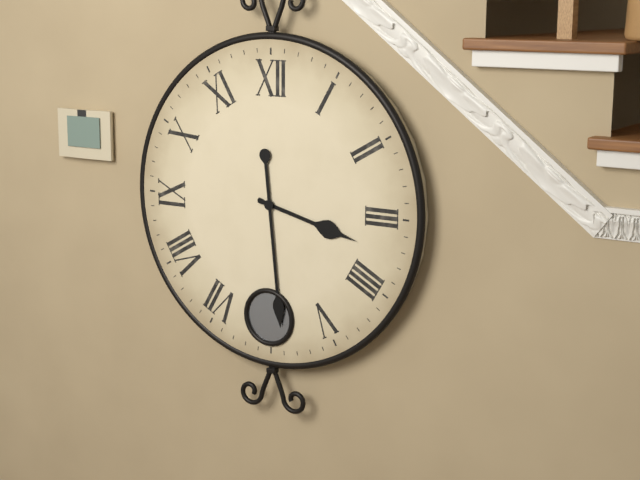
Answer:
3,29
